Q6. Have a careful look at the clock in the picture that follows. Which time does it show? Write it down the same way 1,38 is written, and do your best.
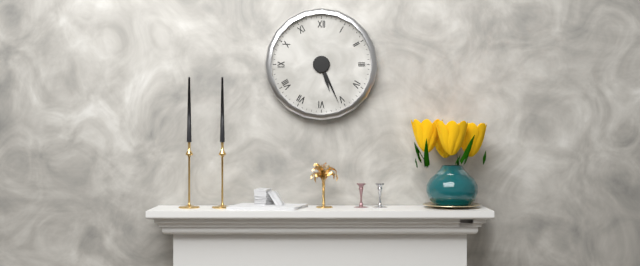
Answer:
5,26
